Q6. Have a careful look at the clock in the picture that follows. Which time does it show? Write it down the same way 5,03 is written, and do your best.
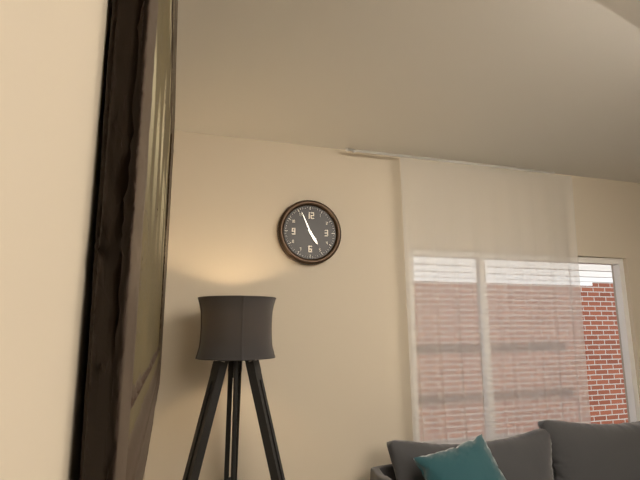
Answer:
4,56
